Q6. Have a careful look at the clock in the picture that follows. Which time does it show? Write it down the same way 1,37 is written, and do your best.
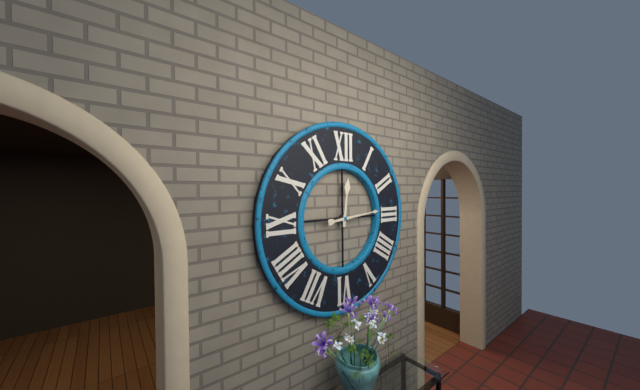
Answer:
12,14
